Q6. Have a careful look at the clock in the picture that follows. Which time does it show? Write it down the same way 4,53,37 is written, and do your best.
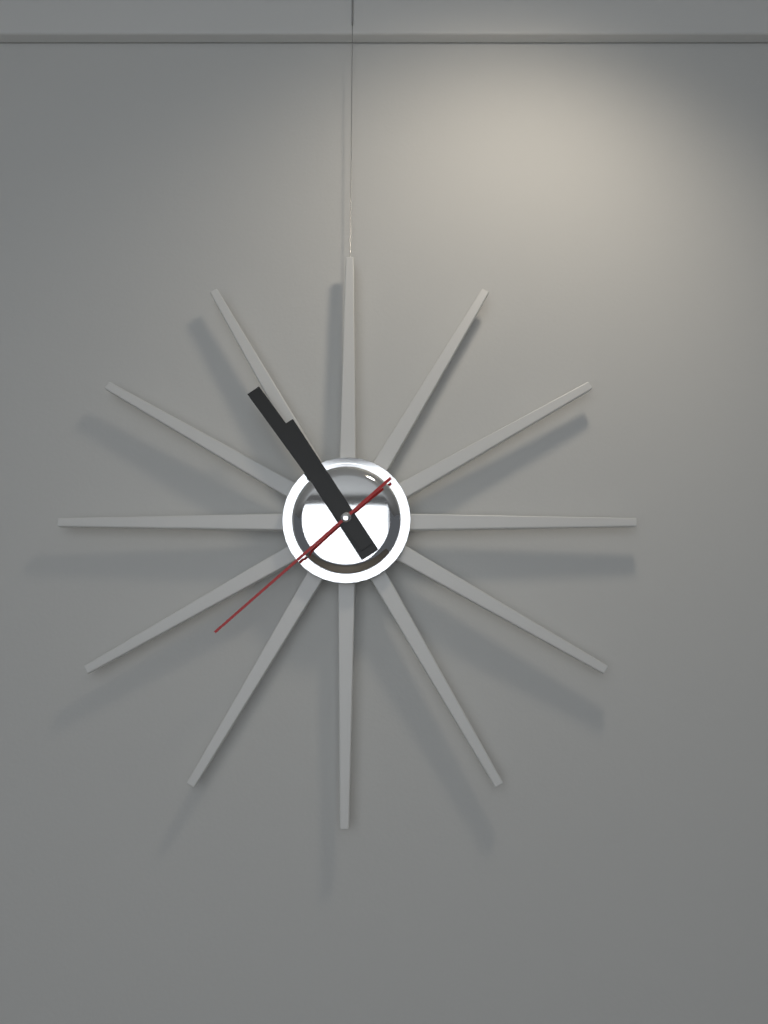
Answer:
10,54,38
